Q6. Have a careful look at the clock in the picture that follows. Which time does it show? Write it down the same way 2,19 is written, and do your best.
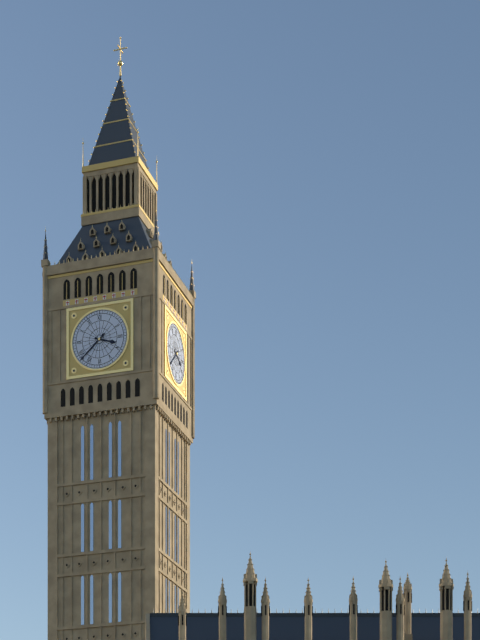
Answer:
3,38
